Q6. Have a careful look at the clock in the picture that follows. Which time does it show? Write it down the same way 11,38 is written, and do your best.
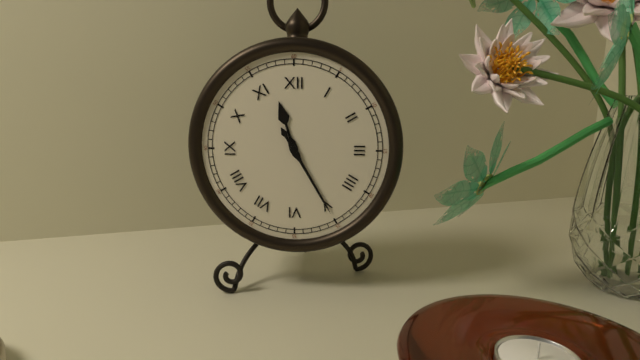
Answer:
11,25
